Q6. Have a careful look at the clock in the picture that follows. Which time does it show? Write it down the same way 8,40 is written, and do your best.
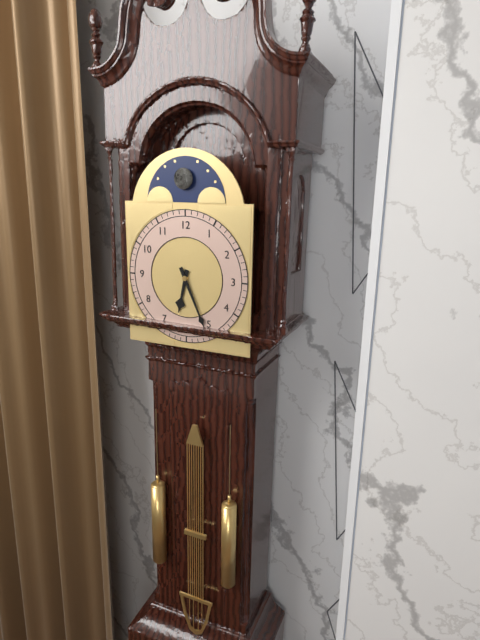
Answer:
6,26
